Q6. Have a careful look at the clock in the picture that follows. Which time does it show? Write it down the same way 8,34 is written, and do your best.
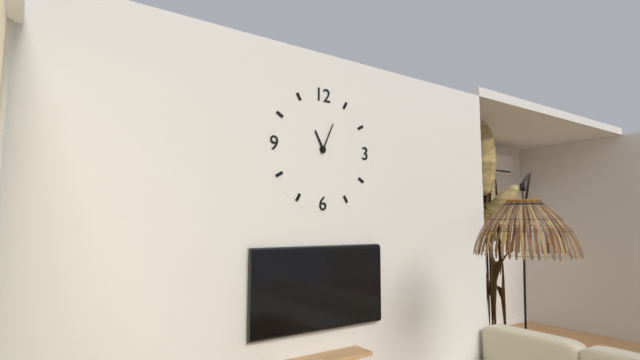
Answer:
11,04
